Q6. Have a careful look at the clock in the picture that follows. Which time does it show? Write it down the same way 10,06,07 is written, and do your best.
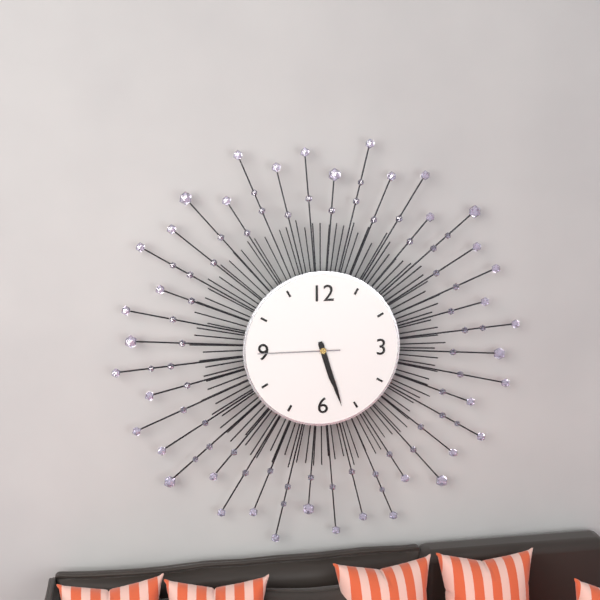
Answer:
5,27,45
